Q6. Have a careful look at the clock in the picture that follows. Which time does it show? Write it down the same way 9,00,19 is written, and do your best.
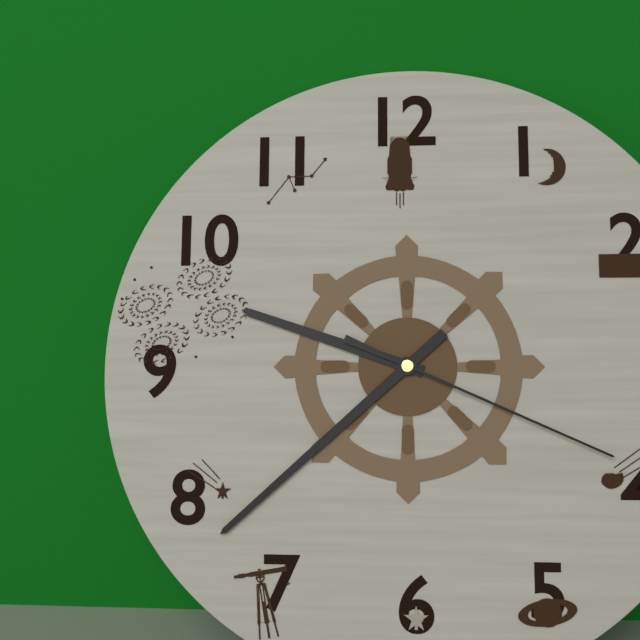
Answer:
9,38,19
